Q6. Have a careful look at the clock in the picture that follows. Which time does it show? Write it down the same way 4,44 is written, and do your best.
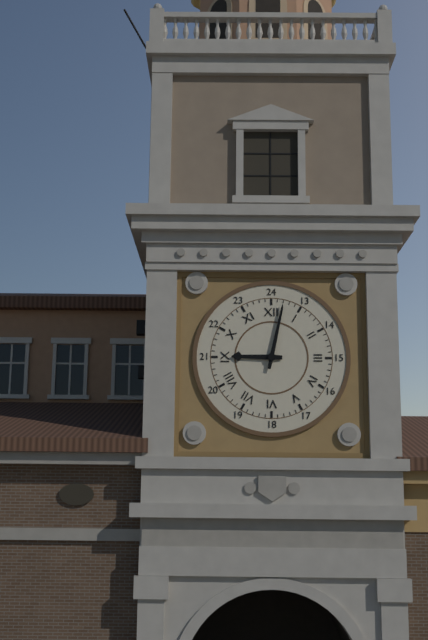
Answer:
9,02
